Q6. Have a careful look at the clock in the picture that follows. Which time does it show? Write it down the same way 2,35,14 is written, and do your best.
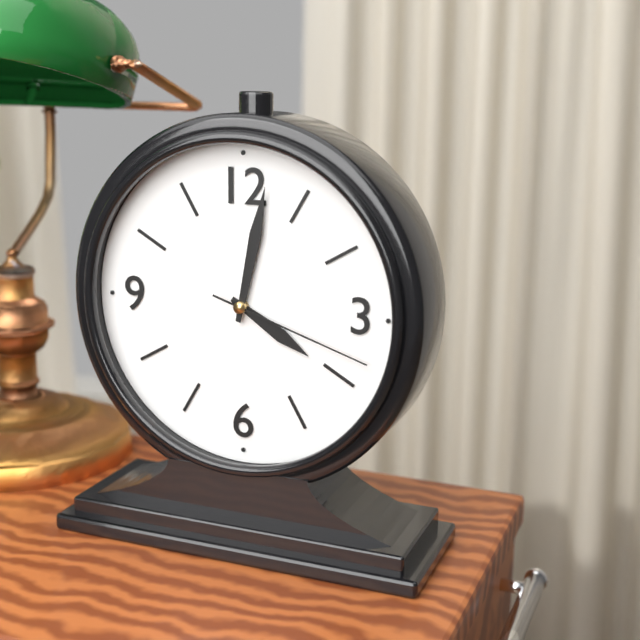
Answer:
4,02,18
